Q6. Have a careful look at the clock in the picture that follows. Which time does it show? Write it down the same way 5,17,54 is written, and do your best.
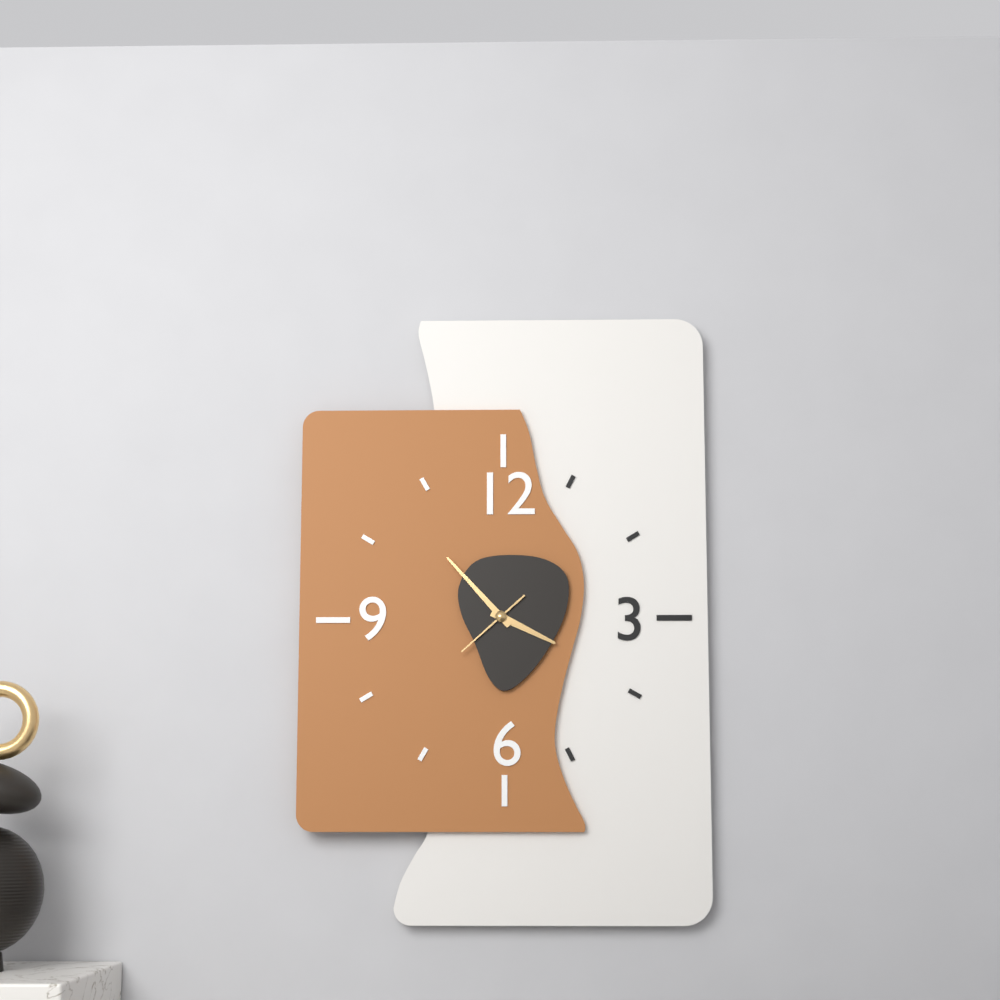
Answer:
3,53,38
